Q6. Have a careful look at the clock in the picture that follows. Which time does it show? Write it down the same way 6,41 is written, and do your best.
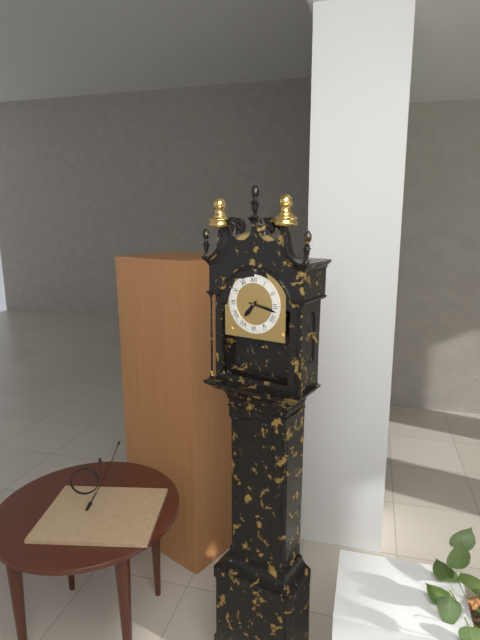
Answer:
7,17
